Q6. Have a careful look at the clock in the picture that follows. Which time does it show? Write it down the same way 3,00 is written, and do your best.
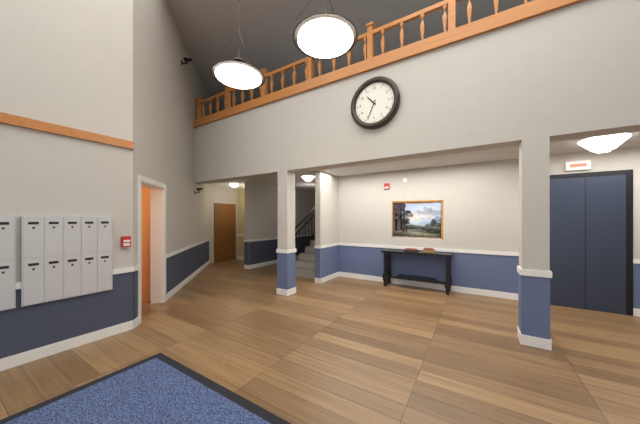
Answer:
10,34
